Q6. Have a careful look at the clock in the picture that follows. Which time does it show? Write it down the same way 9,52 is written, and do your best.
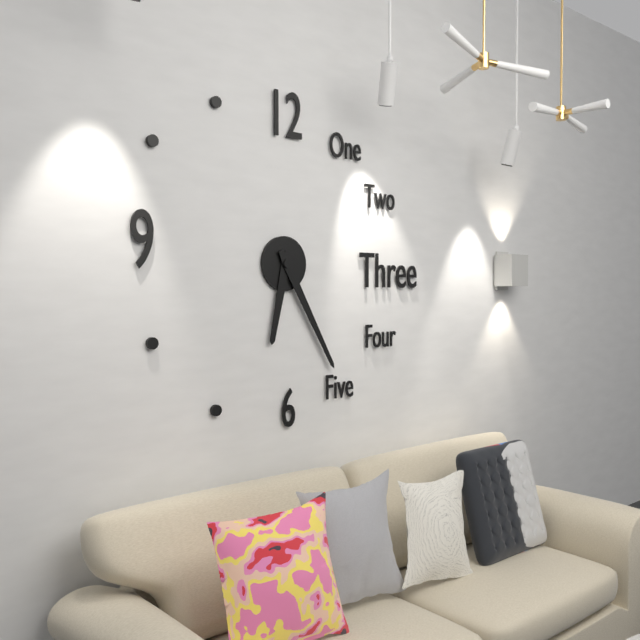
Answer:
6,25
